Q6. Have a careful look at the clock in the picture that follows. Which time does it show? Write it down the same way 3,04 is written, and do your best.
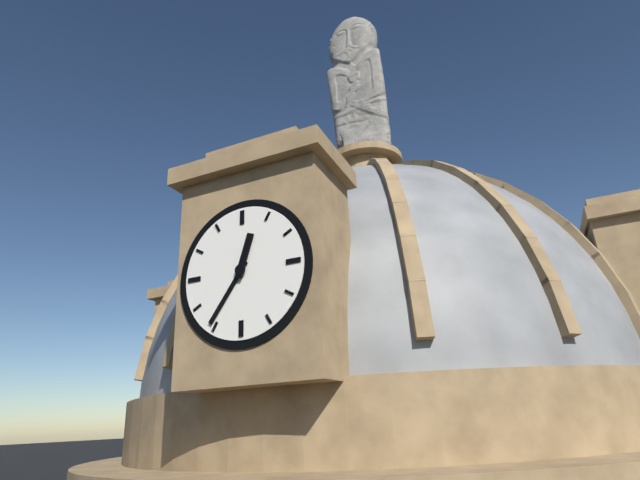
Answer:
12,36
